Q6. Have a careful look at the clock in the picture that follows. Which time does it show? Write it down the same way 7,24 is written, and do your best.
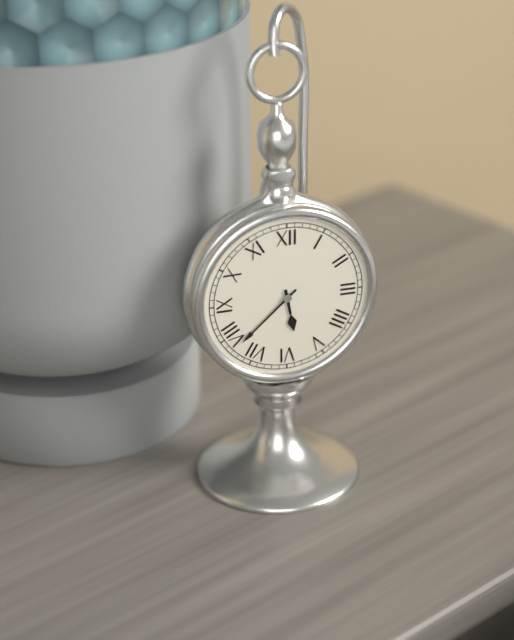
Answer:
5,38
